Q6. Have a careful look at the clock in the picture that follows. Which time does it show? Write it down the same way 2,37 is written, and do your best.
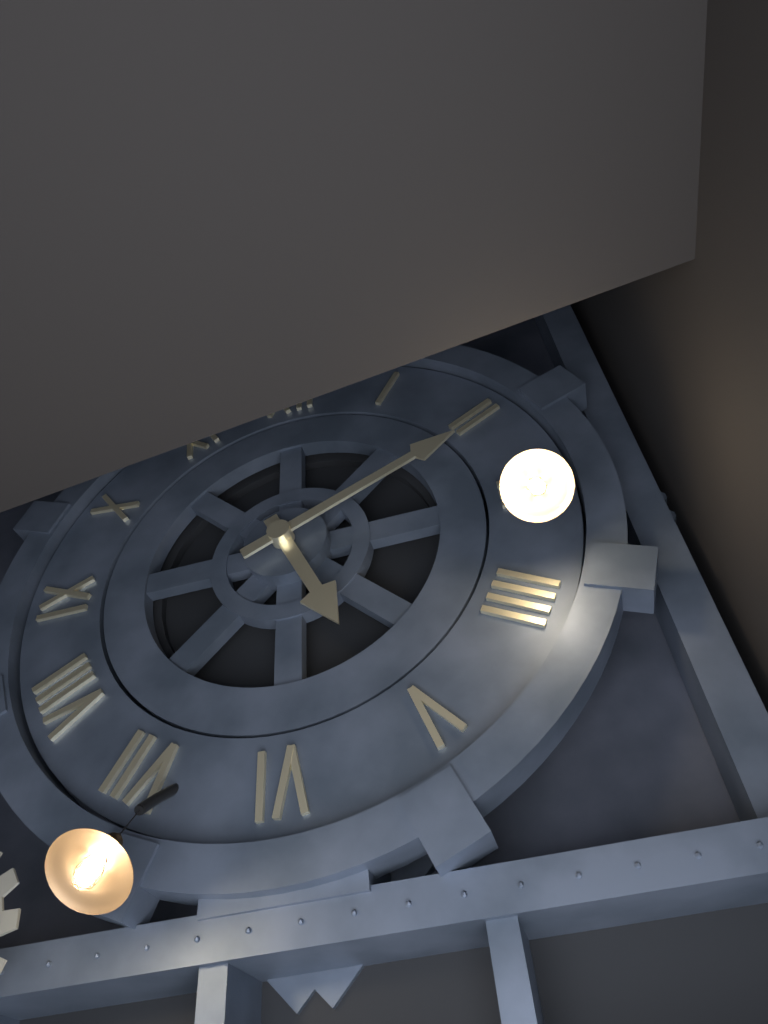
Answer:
5,11
